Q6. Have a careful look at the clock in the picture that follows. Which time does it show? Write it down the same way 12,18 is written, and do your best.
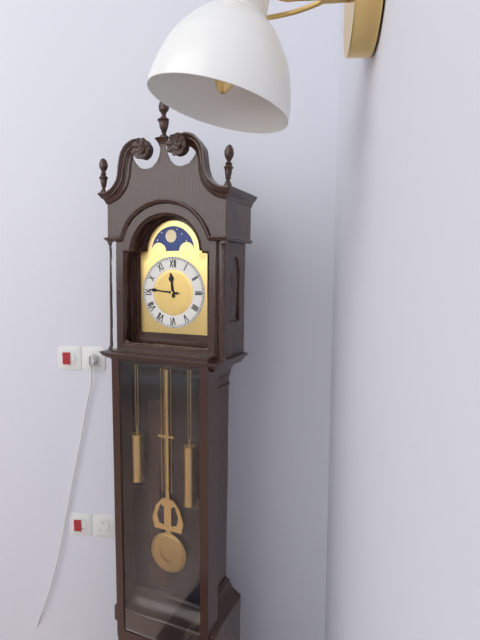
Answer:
11,46
